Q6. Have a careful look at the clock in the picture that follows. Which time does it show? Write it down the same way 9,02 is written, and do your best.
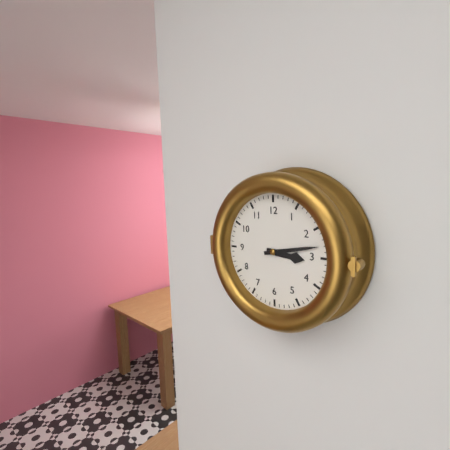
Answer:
3,13
